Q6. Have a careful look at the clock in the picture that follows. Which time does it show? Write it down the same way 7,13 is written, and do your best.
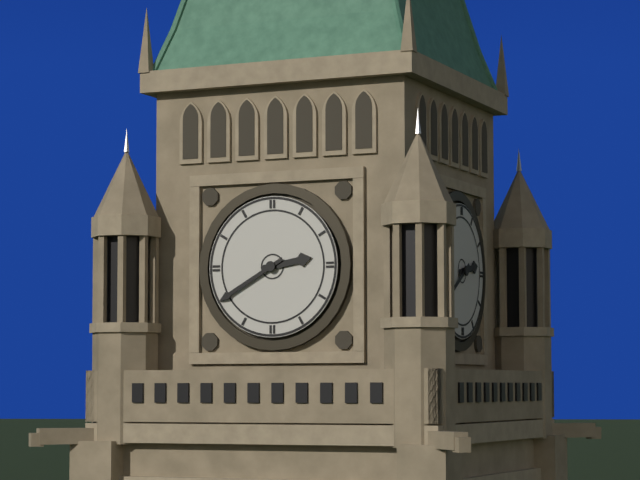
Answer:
2,40
